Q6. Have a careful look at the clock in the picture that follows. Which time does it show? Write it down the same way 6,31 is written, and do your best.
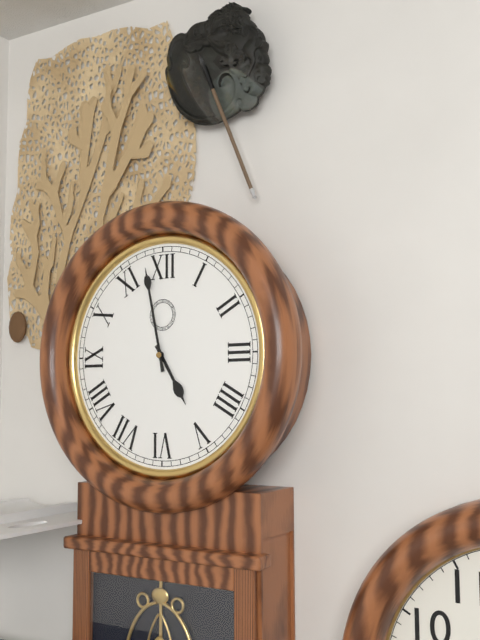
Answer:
4,58
